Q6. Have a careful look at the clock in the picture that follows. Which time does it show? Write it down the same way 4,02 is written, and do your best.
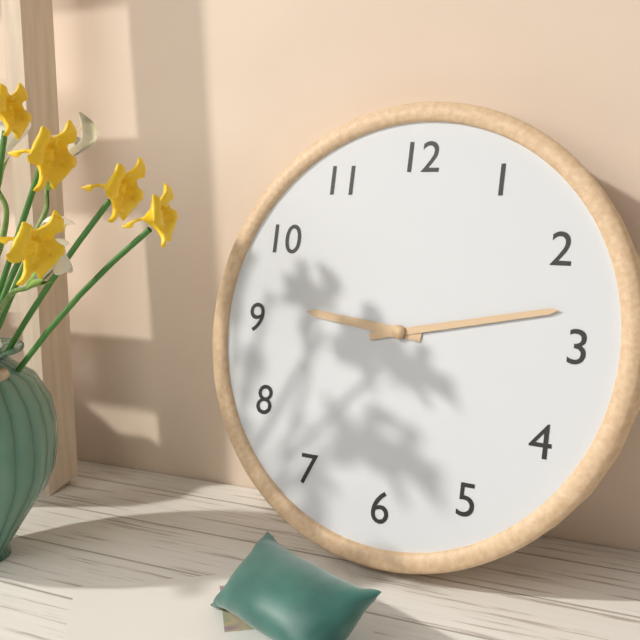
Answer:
9,13
